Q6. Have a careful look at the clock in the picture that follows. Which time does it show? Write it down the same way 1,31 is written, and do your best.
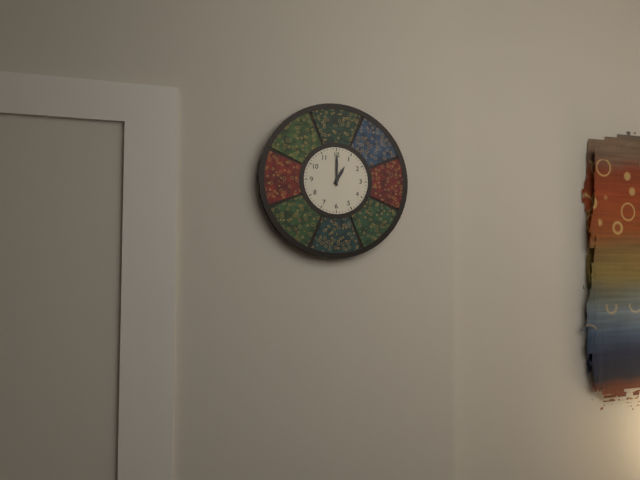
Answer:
1,00
